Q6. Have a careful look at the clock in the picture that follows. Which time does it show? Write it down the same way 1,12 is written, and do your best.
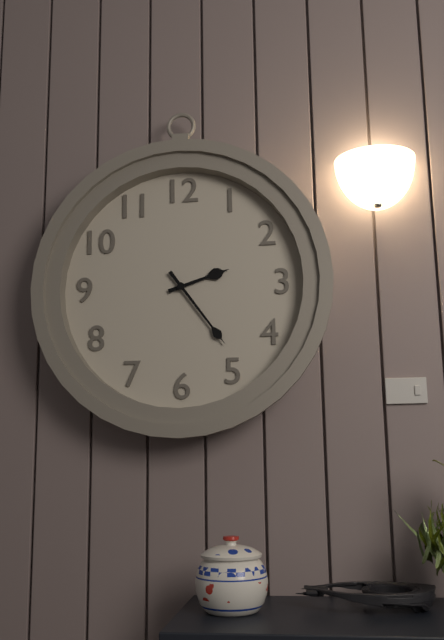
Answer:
2,24
